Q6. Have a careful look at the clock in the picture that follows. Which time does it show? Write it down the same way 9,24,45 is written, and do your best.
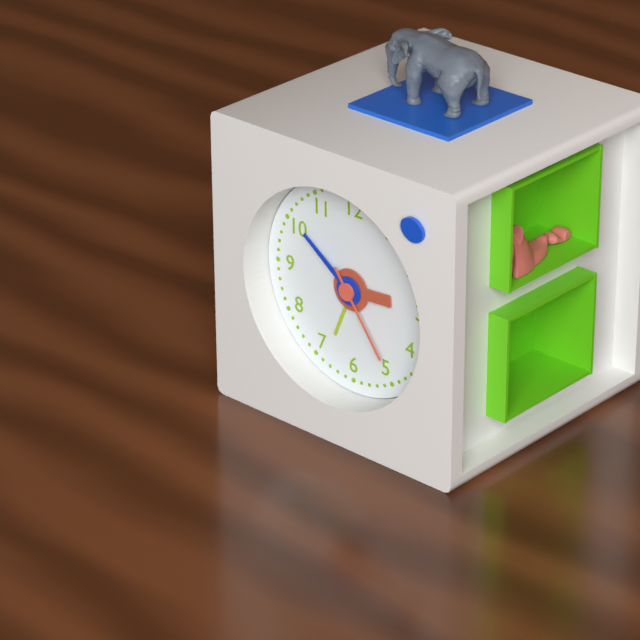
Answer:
2,51,24
